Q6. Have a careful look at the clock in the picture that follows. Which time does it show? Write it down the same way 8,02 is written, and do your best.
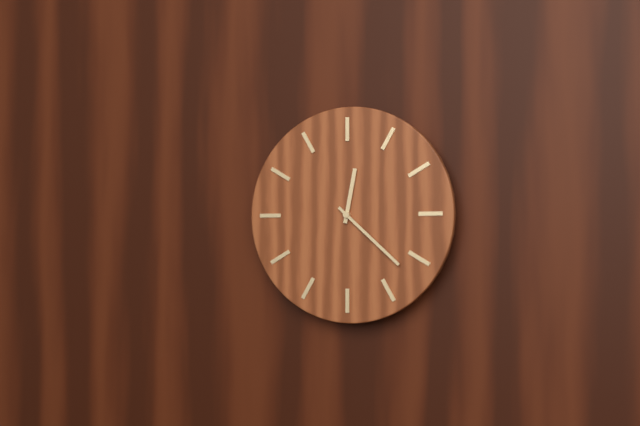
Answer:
12,22
